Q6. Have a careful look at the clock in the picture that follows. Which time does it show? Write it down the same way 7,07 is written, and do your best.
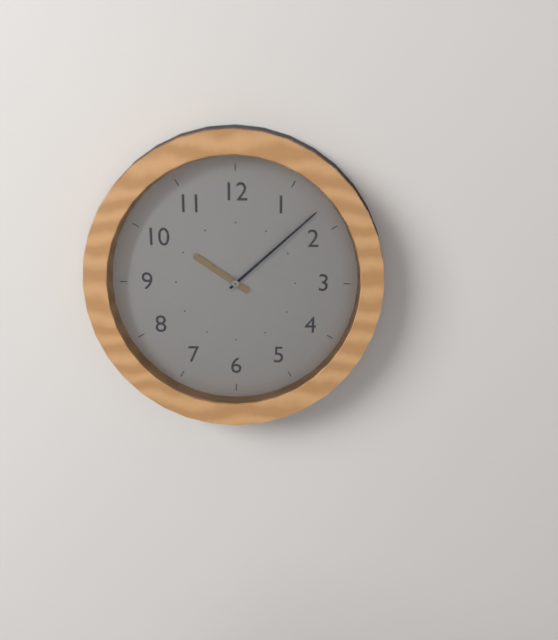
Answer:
10,08
